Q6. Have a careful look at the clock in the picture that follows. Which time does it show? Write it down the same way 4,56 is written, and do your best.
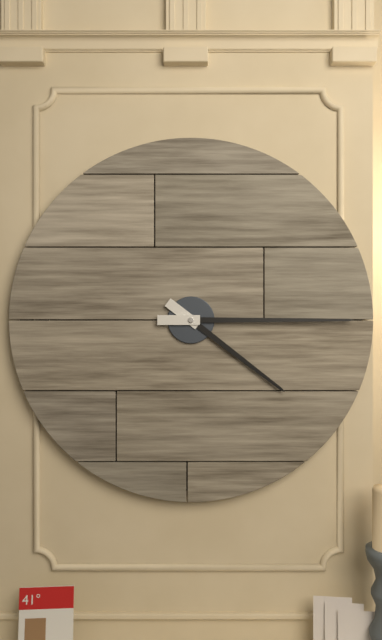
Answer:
4,15
